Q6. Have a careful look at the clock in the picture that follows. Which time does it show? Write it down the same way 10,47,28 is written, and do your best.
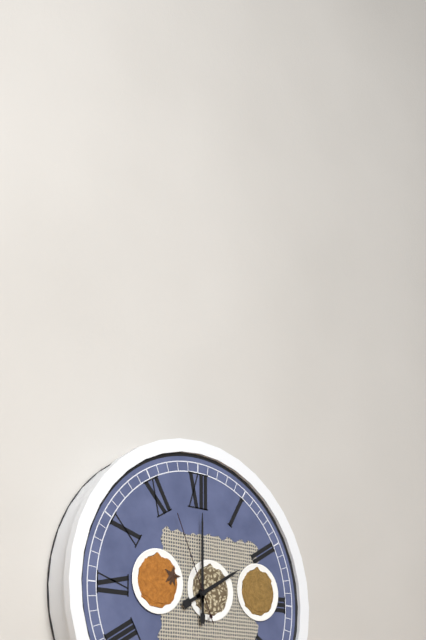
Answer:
2,00,56
